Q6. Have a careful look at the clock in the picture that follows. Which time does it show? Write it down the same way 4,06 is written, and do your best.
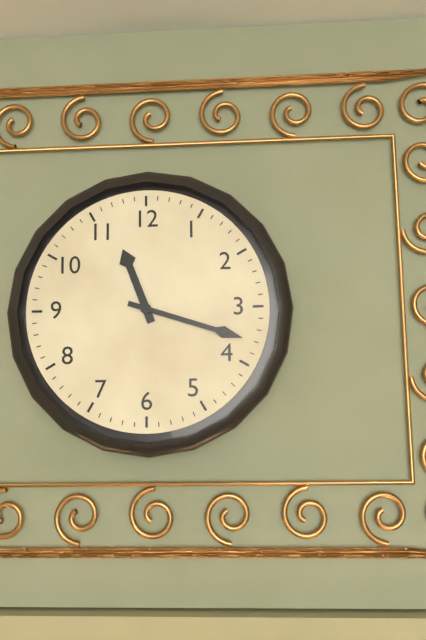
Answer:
11,18
